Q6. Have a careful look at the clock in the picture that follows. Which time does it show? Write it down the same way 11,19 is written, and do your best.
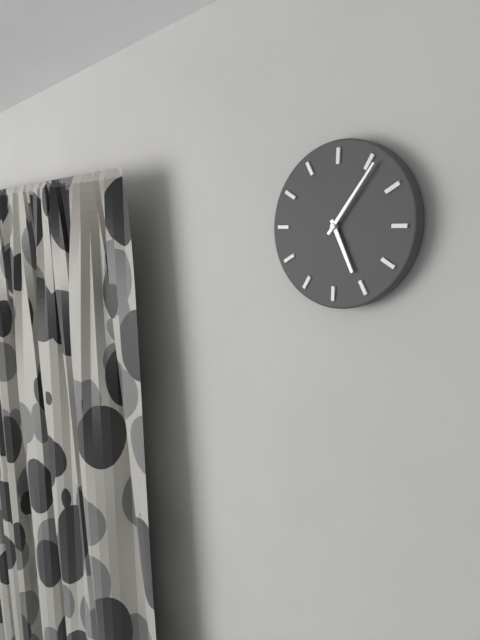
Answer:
5,06
